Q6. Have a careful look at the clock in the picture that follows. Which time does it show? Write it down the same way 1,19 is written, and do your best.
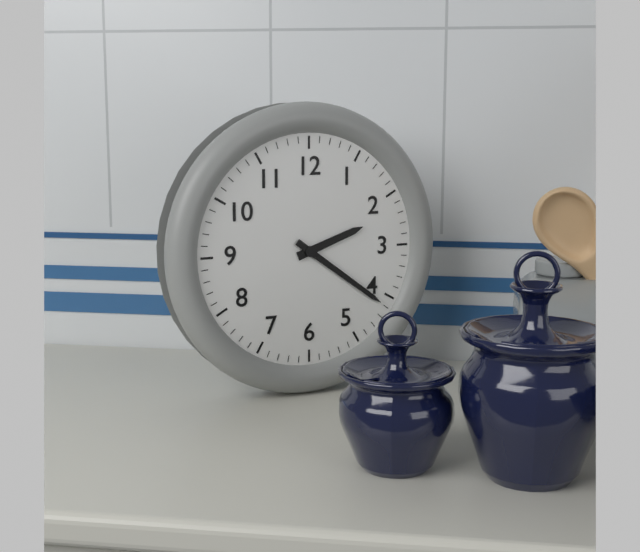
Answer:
2,21
